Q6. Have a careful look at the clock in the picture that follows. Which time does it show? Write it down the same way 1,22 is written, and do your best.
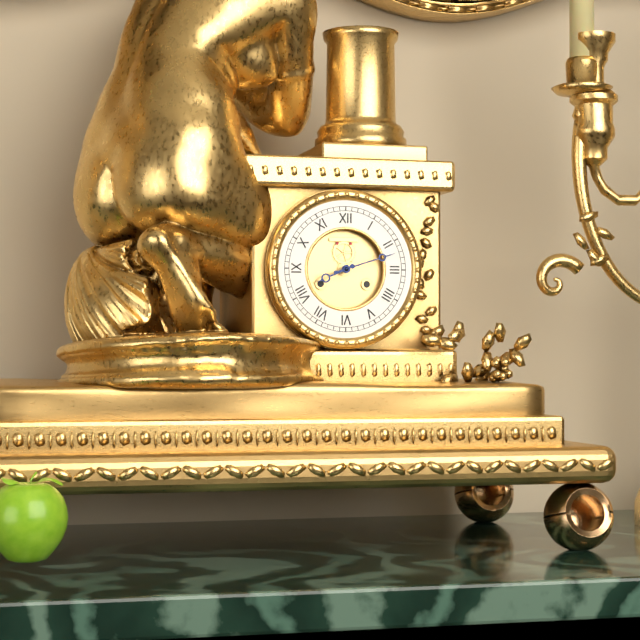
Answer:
8,12
